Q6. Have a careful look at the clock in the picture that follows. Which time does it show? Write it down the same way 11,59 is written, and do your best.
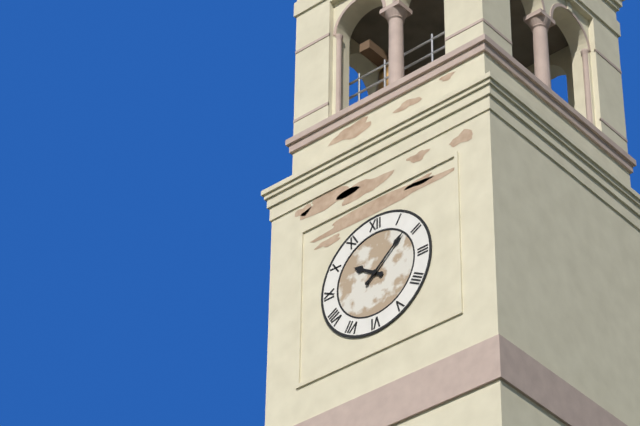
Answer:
10,08
